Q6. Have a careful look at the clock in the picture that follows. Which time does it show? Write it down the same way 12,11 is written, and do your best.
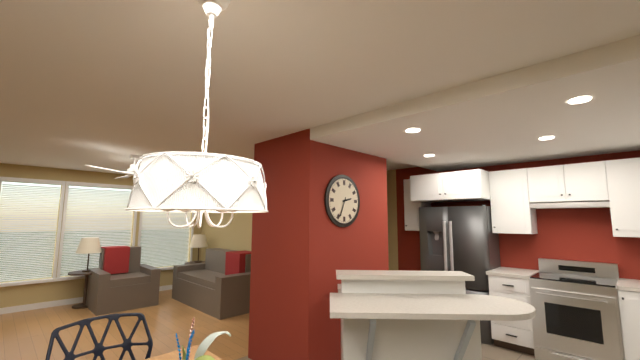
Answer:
2,34
